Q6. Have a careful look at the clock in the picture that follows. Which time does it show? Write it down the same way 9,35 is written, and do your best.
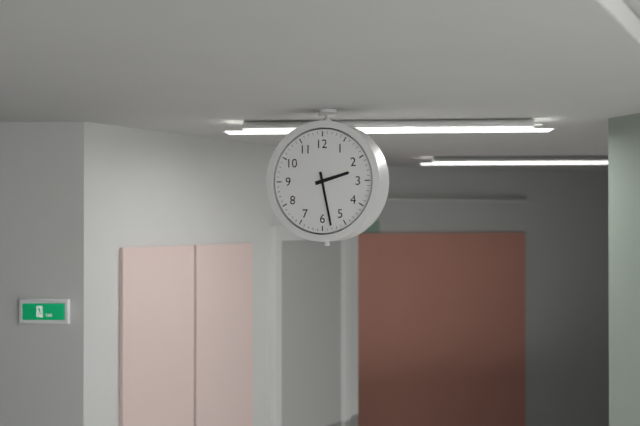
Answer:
2,28
